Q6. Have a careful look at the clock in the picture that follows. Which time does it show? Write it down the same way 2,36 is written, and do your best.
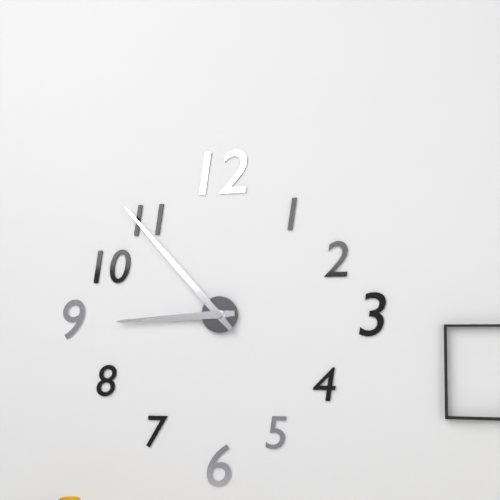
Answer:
8,53
